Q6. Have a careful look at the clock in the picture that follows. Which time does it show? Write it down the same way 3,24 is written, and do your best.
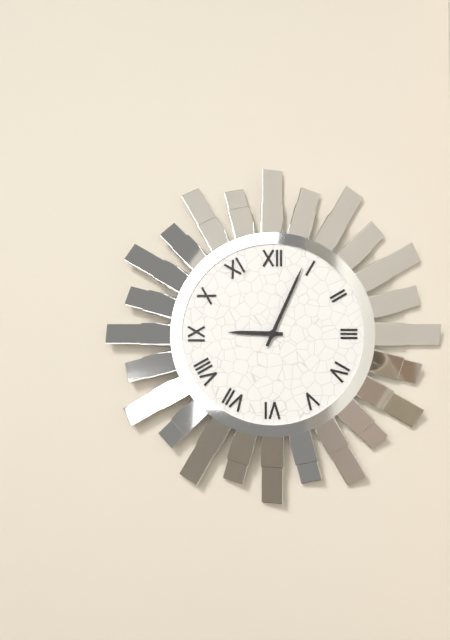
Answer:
9,04
